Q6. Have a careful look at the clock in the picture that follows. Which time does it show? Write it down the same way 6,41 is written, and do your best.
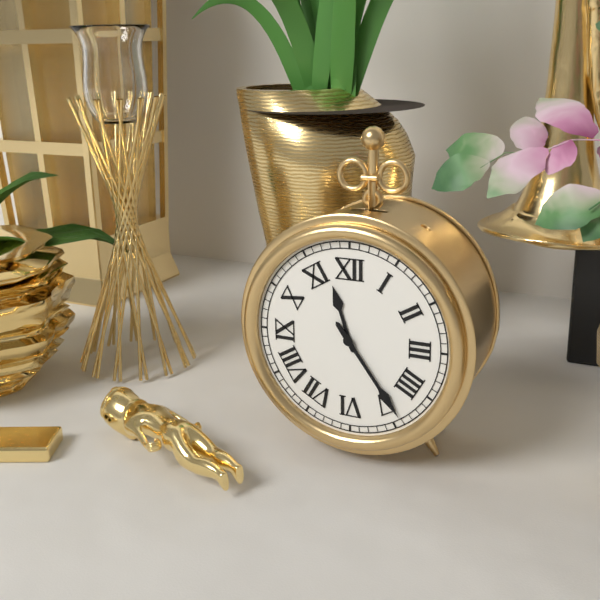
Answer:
11,24
